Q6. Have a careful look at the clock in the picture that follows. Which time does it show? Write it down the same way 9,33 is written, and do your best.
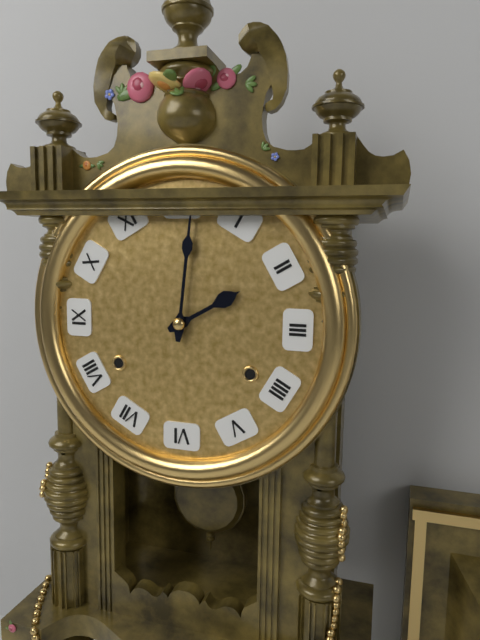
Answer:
2,01
